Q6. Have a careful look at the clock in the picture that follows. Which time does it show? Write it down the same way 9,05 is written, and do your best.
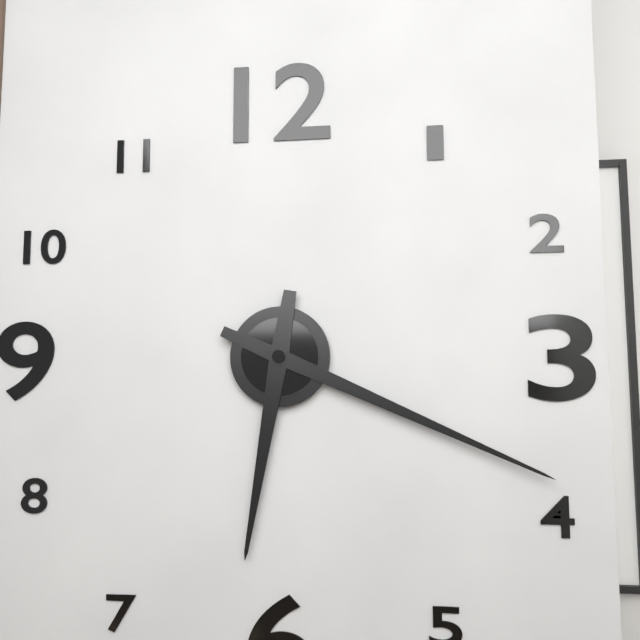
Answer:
6,19
